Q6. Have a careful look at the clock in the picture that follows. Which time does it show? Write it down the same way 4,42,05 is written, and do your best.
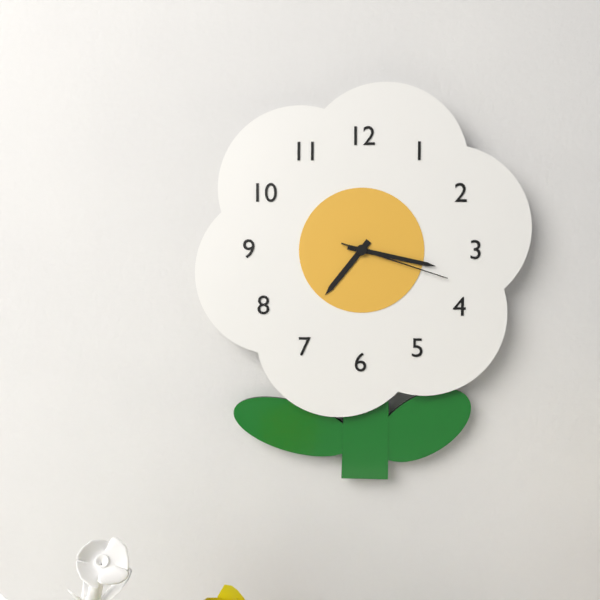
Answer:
7,17,18
